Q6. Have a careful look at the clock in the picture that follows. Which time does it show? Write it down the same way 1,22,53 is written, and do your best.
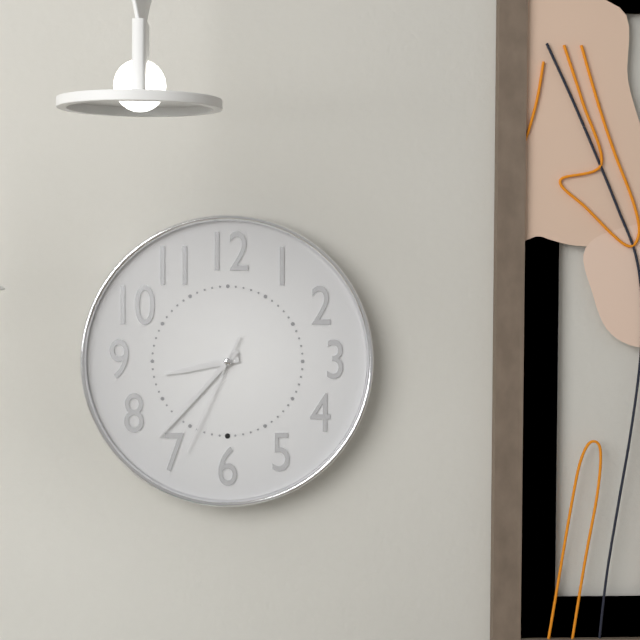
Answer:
8,37,34
